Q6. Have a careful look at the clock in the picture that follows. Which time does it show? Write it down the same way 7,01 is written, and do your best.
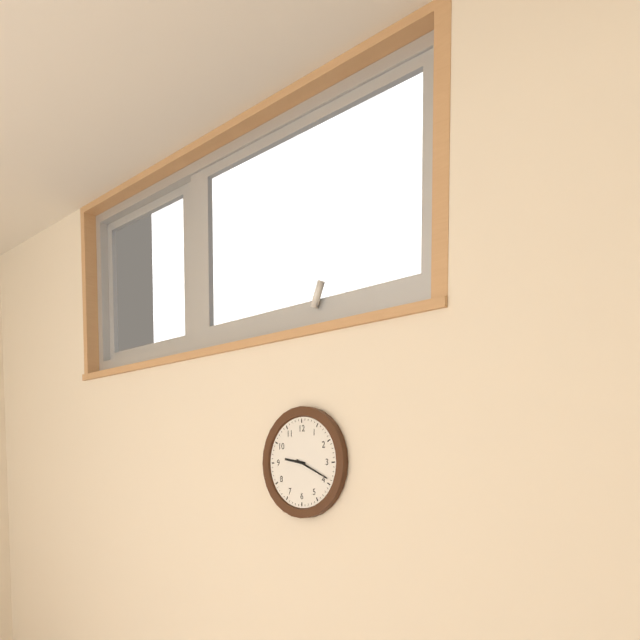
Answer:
9,19
